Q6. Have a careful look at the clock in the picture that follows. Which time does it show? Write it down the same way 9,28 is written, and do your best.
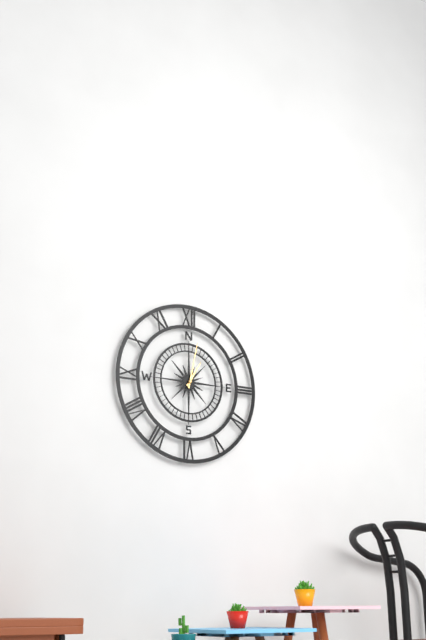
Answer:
1,02
